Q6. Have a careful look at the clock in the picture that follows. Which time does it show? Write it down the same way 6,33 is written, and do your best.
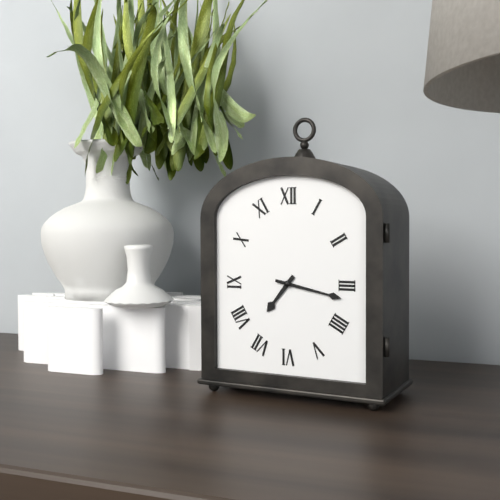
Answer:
7,17
